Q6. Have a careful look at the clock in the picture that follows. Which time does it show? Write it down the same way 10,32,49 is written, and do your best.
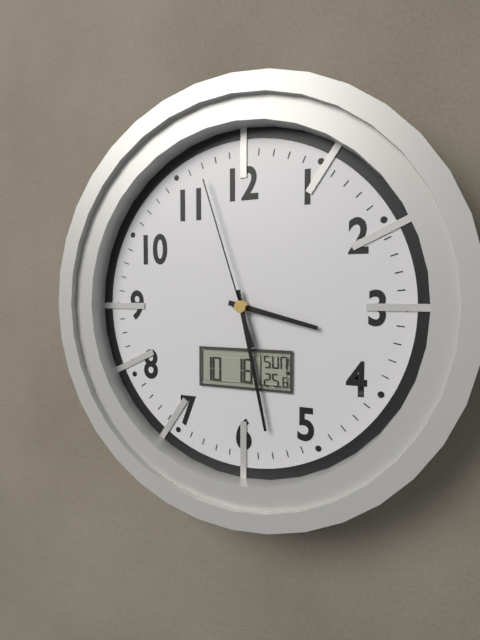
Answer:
3,28,57
